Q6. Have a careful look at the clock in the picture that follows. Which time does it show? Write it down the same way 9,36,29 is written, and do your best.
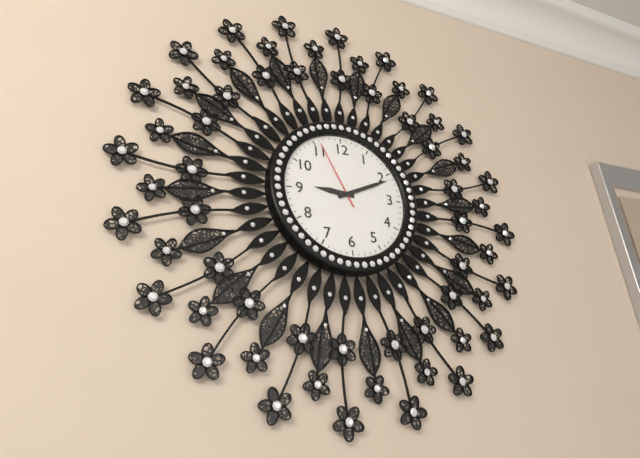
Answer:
9,11,56
